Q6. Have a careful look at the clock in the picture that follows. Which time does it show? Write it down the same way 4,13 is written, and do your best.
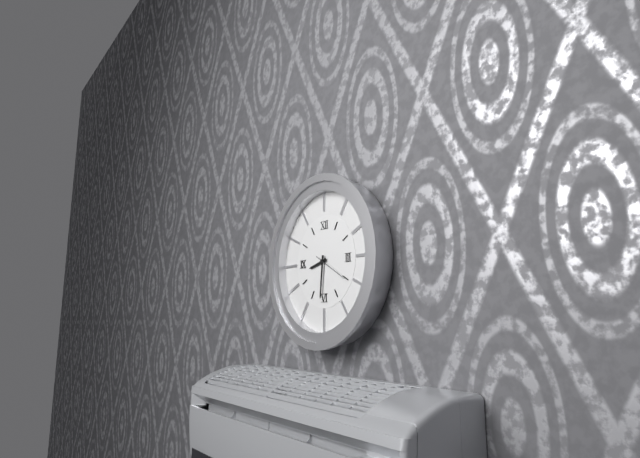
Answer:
8,31
